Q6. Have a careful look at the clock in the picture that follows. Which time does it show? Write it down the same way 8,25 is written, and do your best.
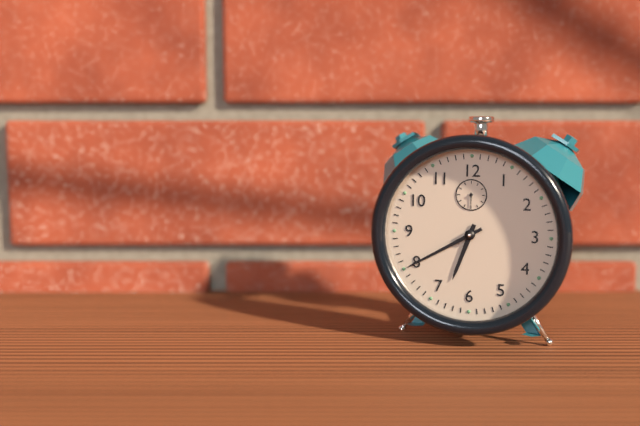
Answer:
6,40
